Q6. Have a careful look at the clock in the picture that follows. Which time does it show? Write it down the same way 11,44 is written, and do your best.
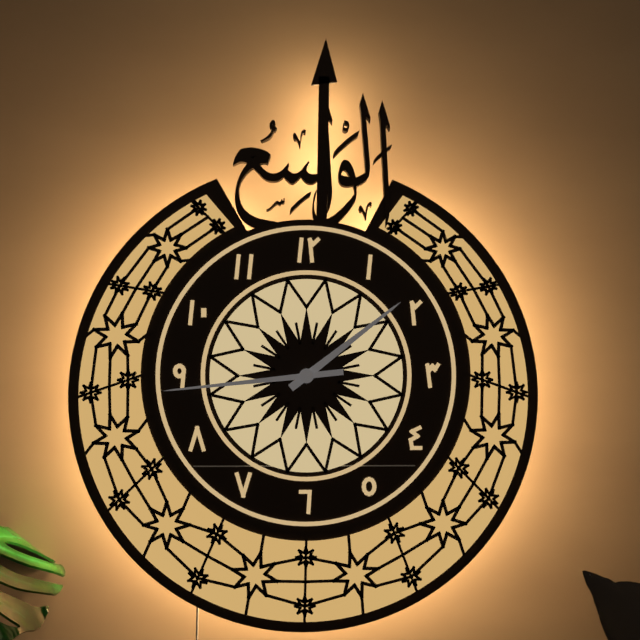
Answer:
1,44
